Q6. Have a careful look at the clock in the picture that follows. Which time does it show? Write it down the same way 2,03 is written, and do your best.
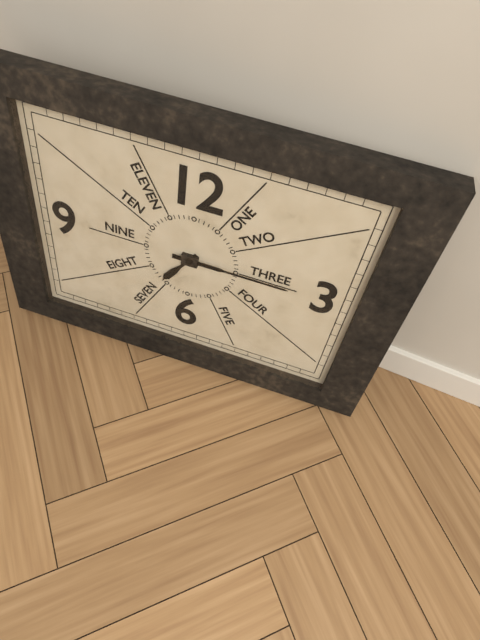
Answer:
7,15
